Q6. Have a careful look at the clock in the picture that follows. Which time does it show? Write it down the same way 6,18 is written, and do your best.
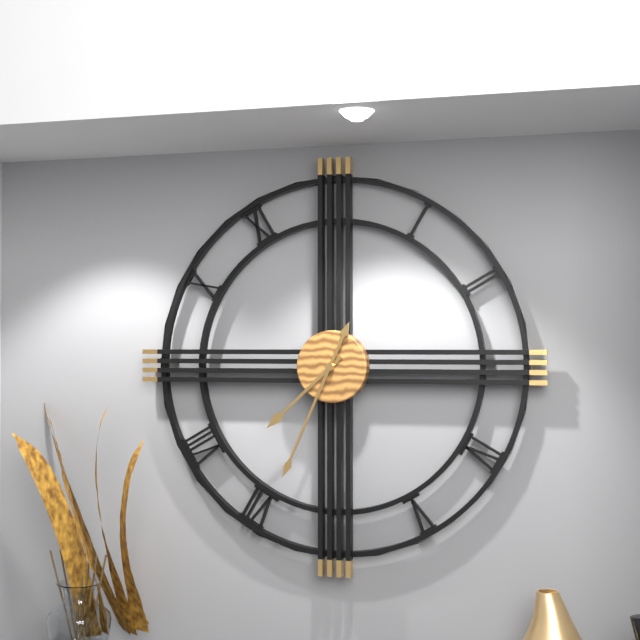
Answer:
7,34
